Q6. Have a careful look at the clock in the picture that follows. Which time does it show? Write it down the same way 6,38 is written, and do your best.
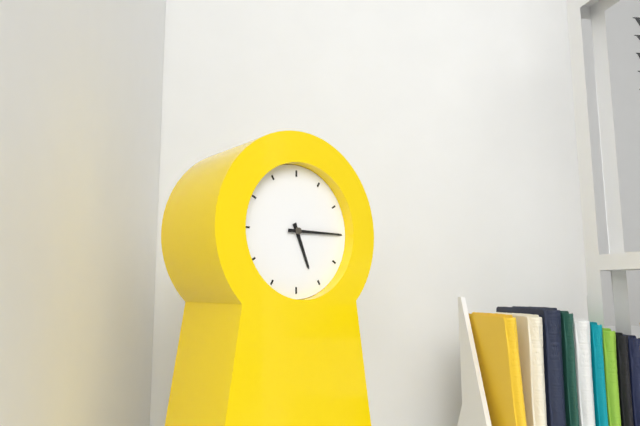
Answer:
5,15
